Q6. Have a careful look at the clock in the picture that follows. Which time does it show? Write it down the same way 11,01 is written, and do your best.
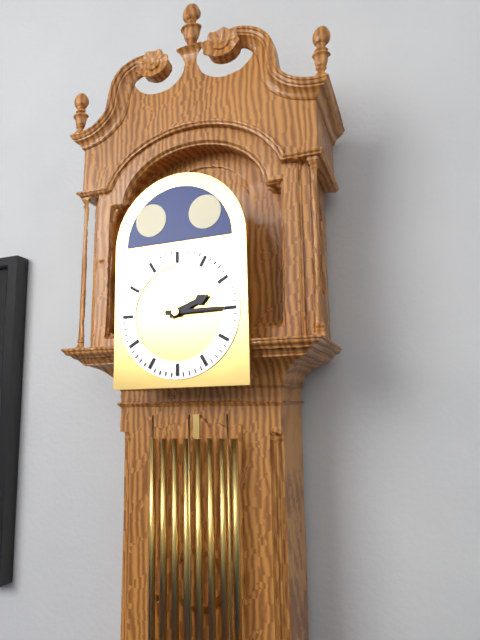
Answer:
2,15
